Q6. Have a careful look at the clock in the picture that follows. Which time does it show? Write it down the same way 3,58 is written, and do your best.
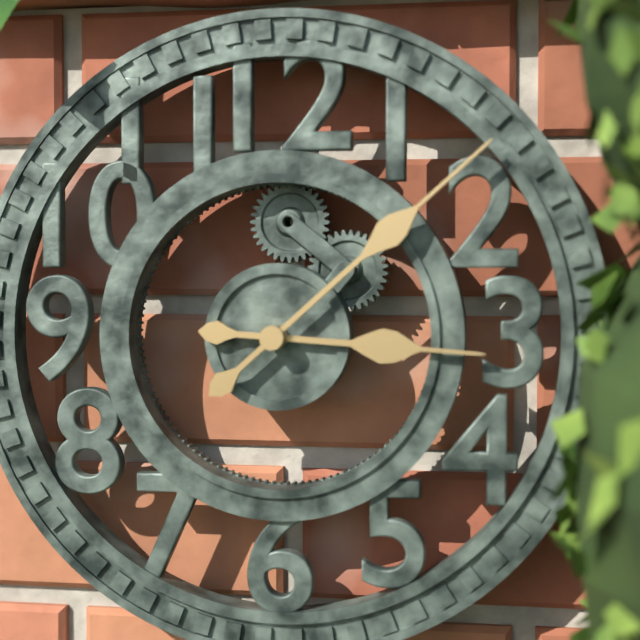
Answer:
3,08
